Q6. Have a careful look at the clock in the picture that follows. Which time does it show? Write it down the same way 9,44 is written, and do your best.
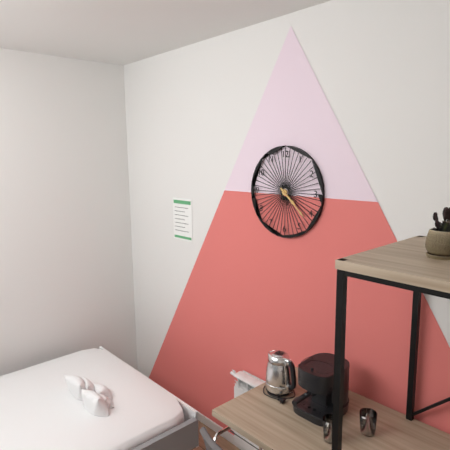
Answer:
4,22
